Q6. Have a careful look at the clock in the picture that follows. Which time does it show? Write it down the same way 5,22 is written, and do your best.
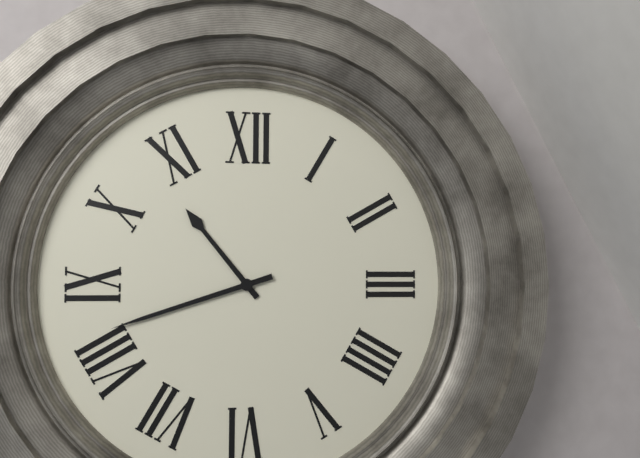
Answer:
10,42
